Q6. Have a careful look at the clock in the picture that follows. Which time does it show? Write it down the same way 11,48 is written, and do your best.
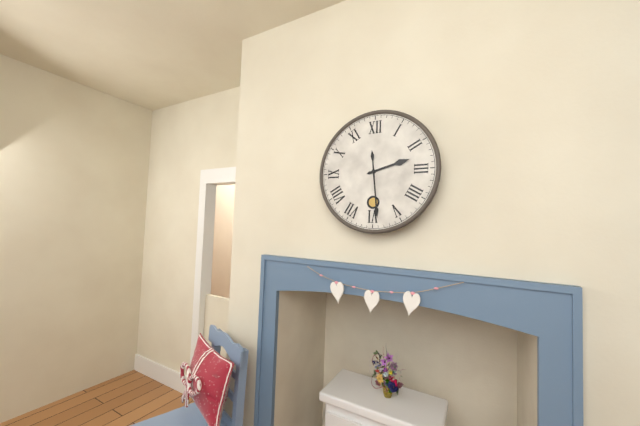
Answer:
2,29
